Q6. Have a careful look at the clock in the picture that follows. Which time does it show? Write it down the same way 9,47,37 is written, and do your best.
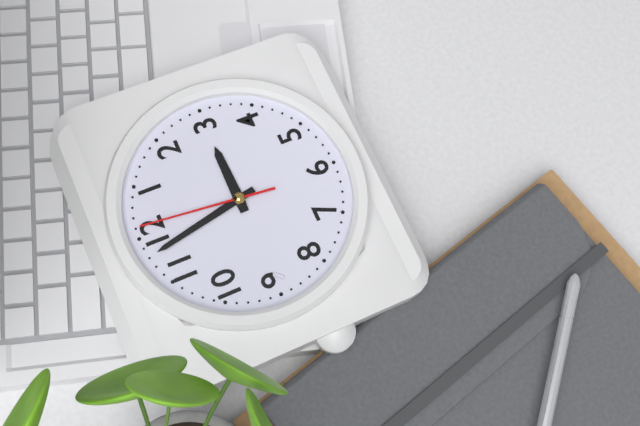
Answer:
2,58,01
